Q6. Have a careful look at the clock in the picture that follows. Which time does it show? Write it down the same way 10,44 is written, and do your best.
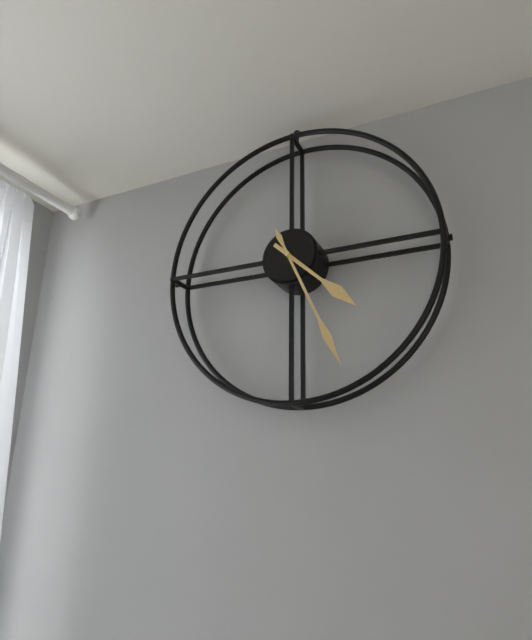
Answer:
4,26
